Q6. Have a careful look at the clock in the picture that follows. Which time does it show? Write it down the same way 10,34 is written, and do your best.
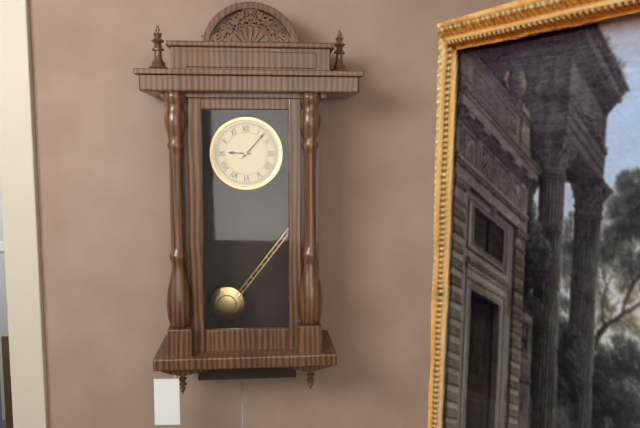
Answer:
9,07
